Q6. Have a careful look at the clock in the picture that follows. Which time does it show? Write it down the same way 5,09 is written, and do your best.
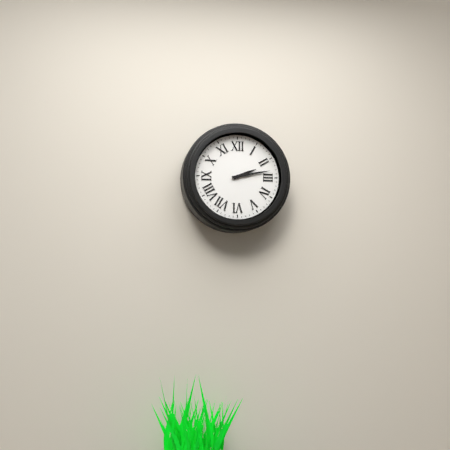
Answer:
2,13
